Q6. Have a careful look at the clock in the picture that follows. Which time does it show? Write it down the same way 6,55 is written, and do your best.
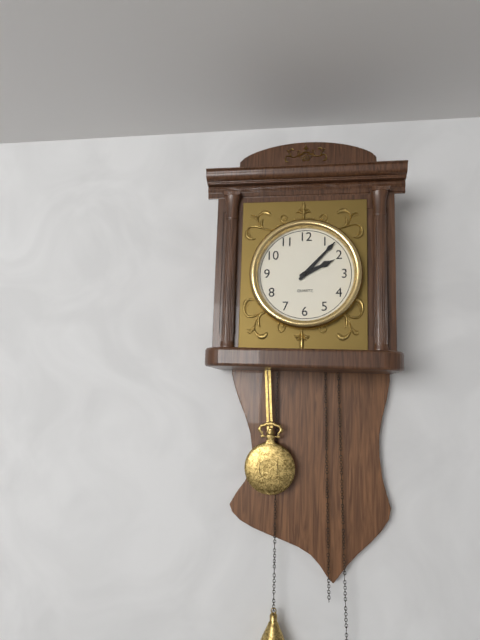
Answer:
2,07
